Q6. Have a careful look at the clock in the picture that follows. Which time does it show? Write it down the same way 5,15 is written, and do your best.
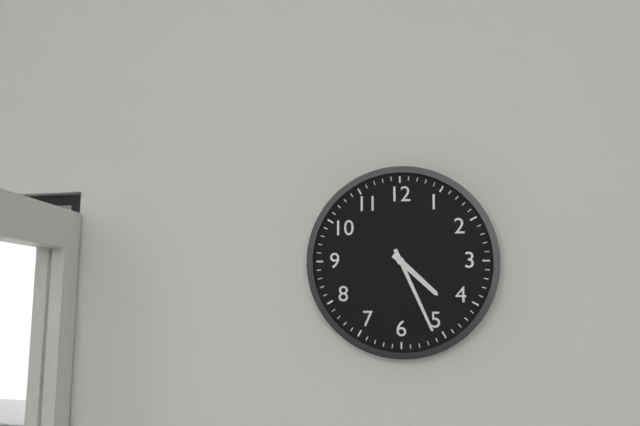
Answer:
4,26
